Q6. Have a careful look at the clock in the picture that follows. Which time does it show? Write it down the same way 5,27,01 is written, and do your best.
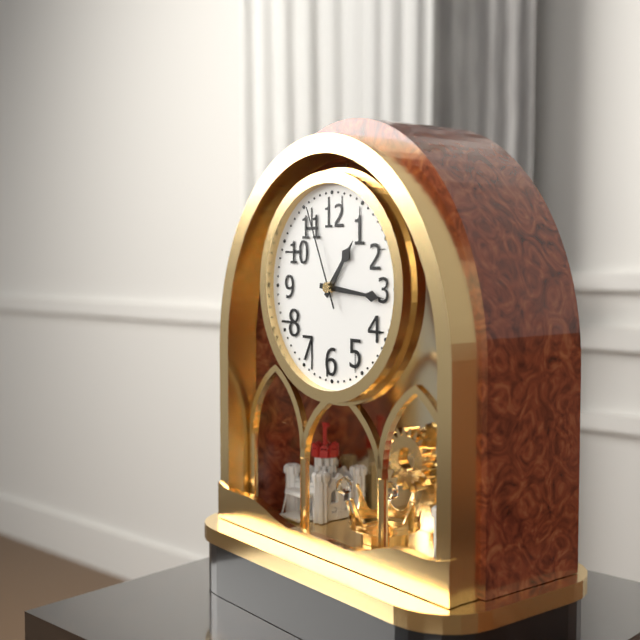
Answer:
1,16,56
